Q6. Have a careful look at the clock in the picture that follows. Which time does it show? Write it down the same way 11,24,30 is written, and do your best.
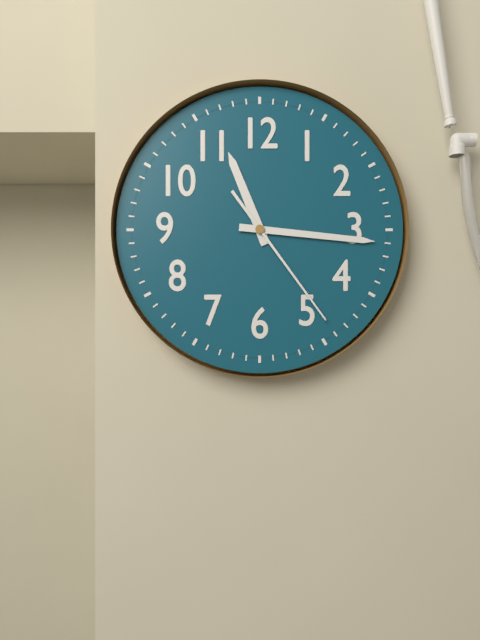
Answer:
11,16,24
